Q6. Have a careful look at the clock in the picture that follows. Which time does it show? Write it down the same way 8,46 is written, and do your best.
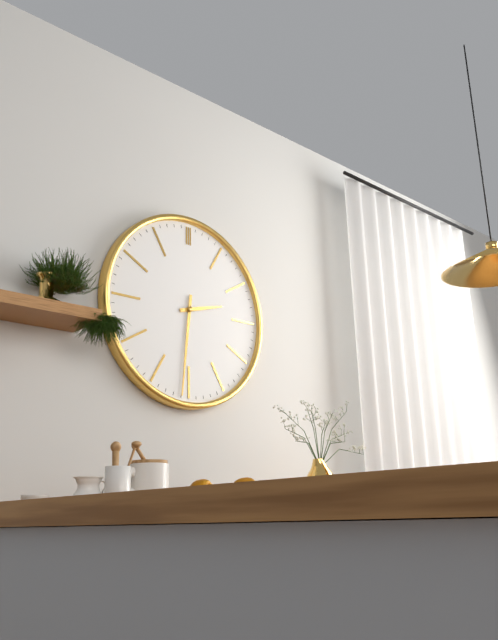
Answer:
2,31
